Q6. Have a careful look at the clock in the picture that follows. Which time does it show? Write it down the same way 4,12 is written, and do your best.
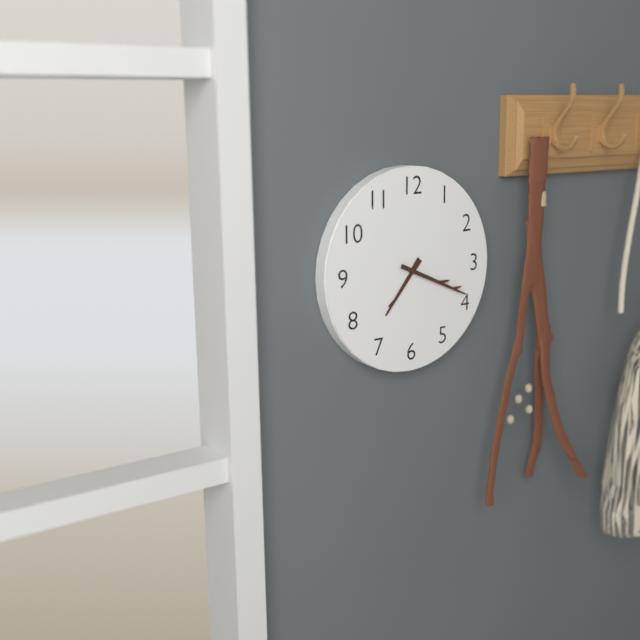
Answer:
7,19
